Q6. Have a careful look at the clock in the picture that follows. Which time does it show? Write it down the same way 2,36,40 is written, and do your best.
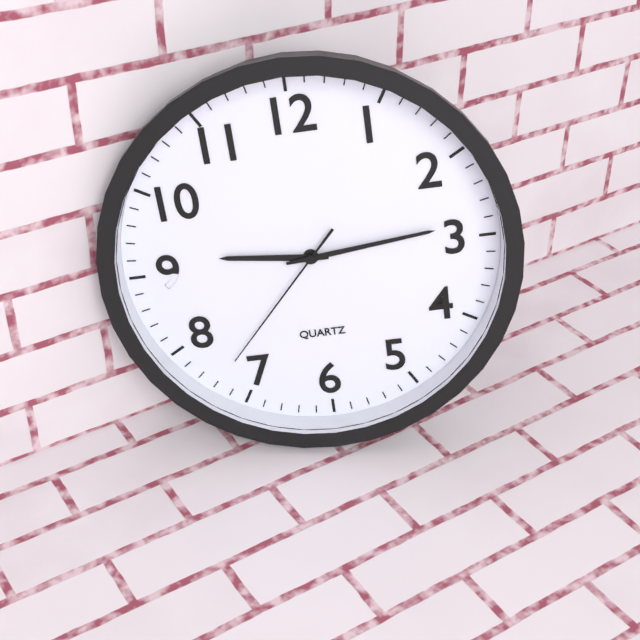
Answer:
9,14,37
